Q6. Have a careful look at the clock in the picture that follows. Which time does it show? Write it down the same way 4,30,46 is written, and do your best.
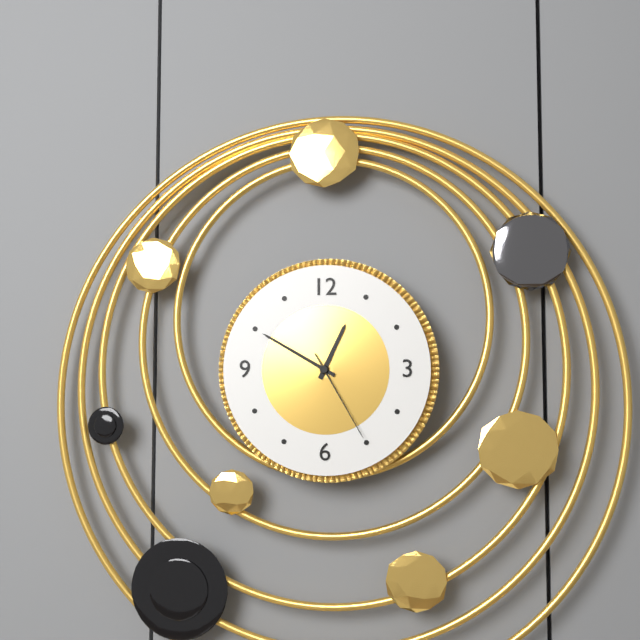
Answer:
12,50,25
